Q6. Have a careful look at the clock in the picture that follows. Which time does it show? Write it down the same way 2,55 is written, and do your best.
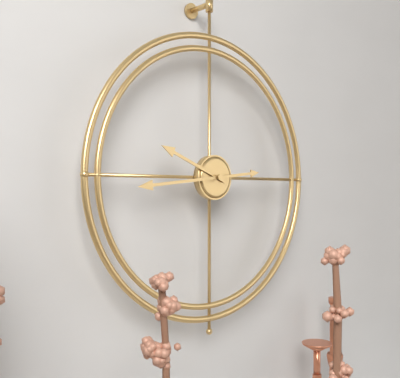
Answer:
9,44
